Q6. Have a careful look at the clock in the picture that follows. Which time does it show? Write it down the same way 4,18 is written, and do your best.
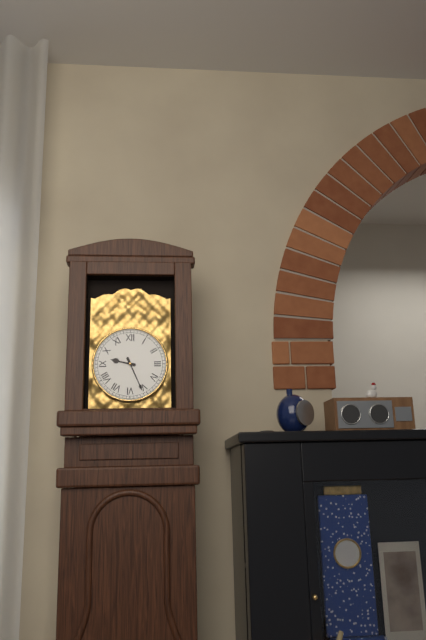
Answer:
9,26
